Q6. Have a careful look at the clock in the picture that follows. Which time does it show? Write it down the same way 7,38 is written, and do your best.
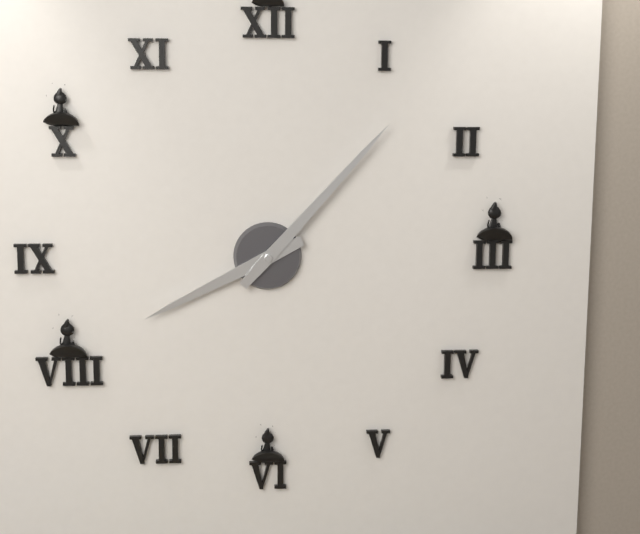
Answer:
8,07
